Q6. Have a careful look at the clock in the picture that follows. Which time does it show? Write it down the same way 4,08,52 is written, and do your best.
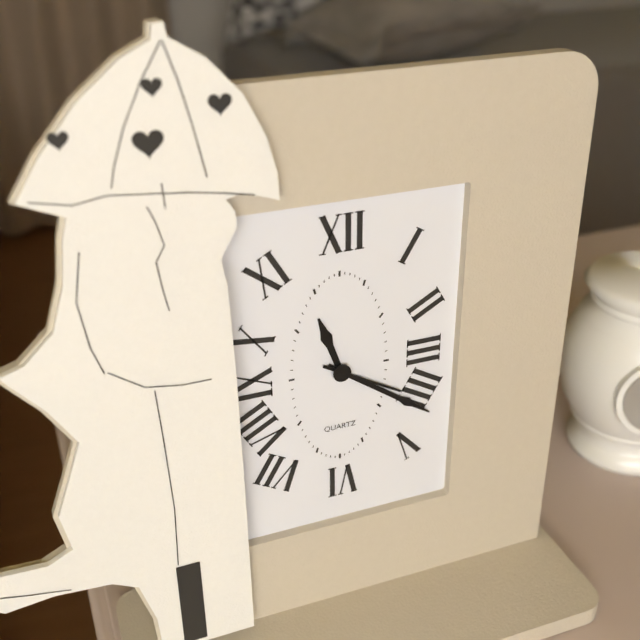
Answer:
11,21,20
